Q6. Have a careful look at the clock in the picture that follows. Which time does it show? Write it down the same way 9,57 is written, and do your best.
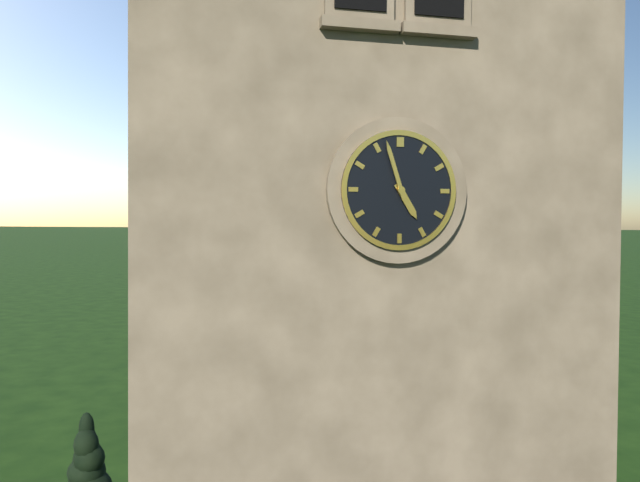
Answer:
4,57
